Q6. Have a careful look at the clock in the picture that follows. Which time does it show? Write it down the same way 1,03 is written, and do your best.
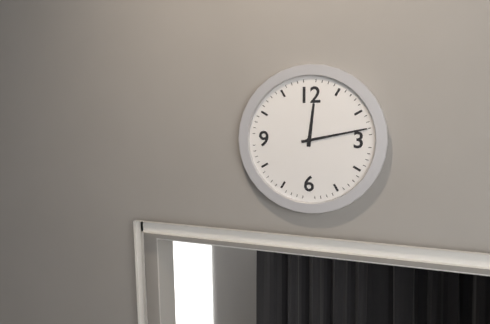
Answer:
12,13
